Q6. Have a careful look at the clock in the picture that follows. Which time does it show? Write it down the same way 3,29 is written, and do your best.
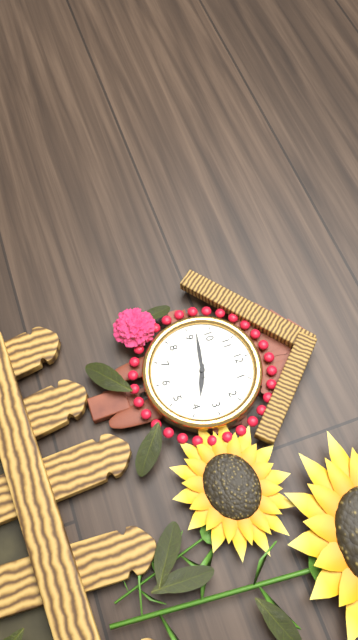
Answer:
3,47
